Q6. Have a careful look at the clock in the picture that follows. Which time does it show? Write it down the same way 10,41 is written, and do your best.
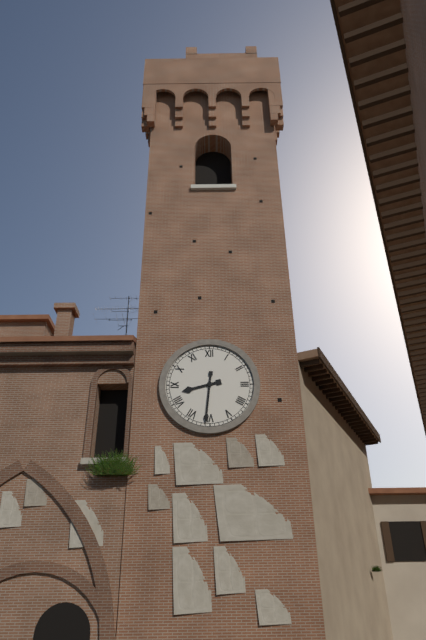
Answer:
8,31
